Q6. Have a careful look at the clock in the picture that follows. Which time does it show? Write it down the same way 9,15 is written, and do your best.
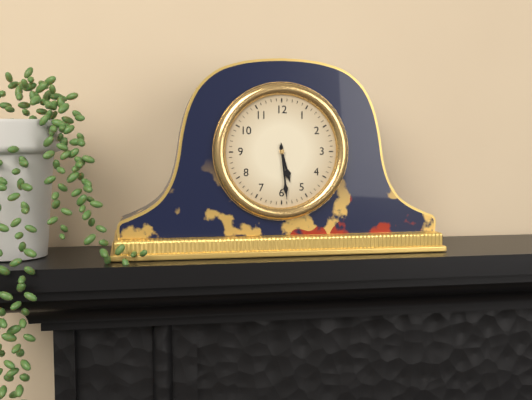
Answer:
5,29
